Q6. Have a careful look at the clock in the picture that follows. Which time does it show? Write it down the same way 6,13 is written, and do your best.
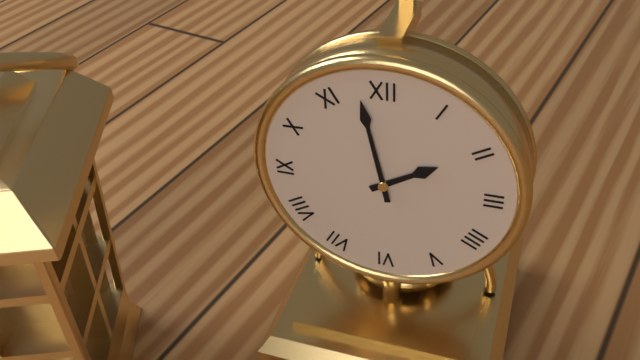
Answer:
1,58
